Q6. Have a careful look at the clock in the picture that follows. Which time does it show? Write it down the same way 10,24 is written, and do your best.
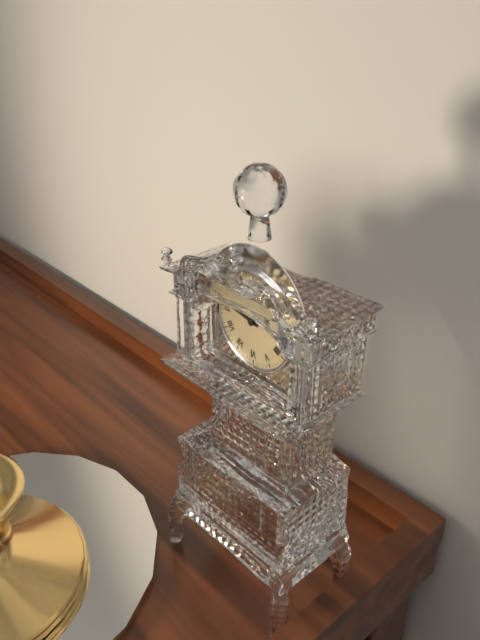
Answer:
1,47
